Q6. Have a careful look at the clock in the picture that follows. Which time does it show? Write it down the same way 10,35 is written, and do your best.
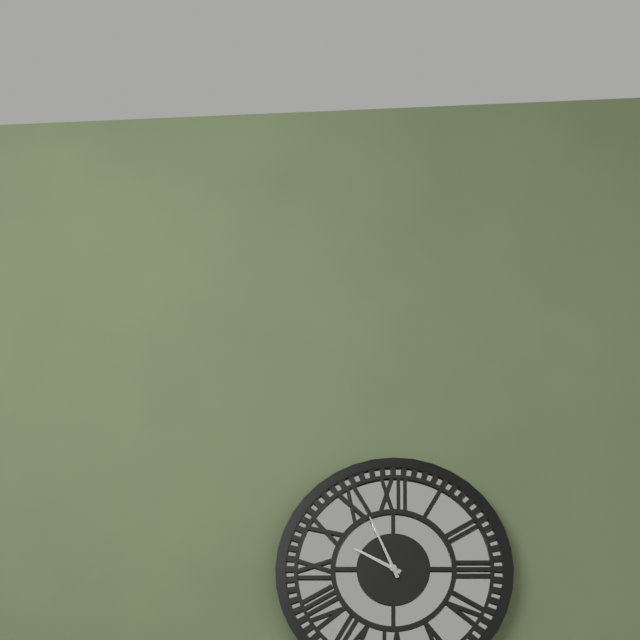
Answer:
9,56
